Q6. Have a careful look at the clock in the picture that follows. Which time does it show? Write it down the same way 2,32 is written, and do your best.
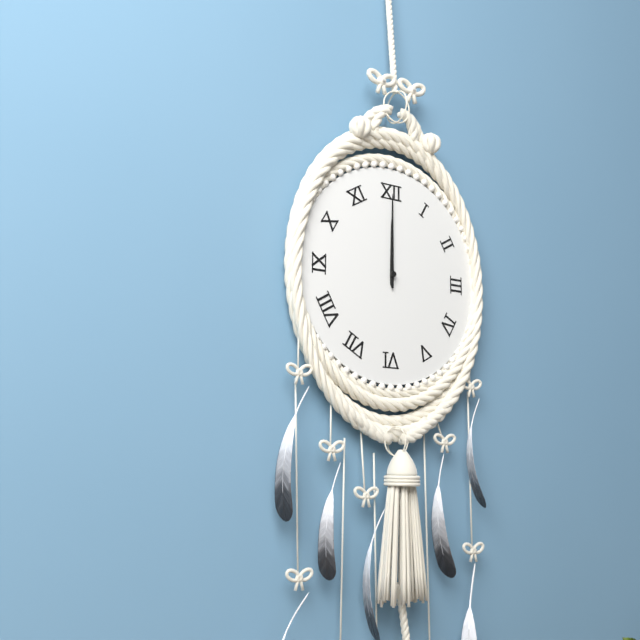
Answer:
12,00
